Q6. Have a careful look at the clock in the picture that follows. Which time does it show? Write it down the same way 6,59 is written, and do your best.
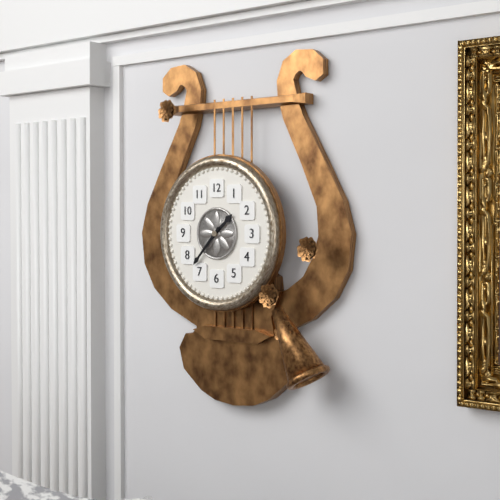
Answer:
1,37
